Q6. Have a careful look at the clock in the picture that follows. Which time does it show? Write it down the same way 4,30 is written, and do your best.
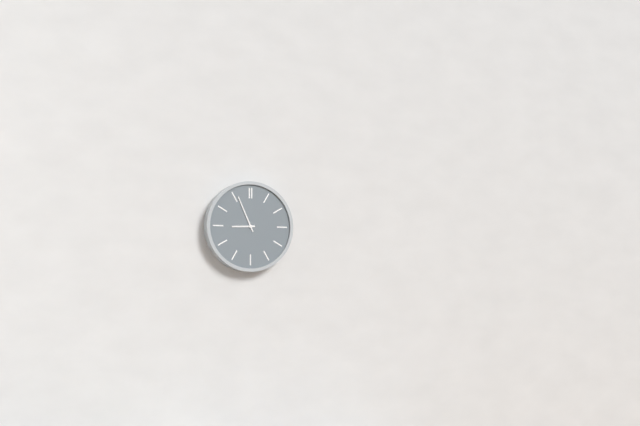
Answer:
8,56
